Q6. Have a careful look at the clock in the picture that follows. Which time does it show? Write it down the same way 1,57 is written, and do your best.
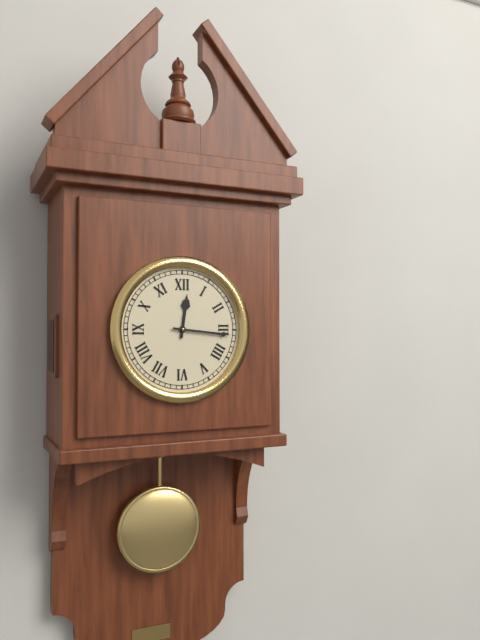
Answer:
12,16
